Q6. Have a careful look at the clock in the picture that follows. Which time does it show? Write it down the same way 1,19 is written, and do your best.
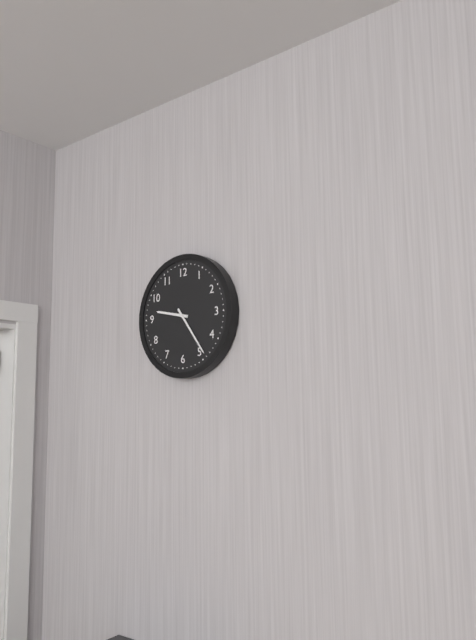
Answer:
9,24
